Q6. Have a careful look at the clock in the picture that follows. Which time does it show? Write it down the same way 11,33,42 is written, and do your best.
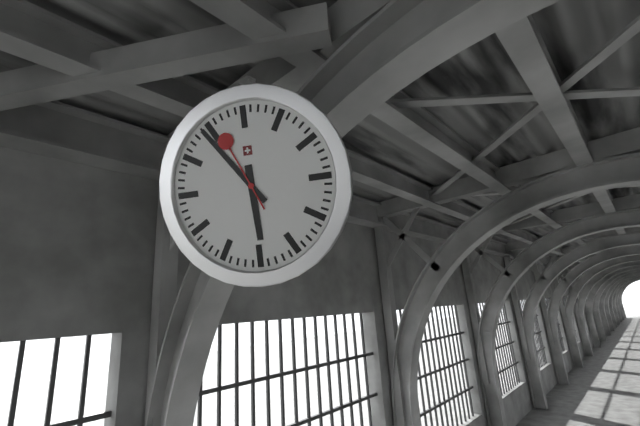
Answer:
5,54,56
